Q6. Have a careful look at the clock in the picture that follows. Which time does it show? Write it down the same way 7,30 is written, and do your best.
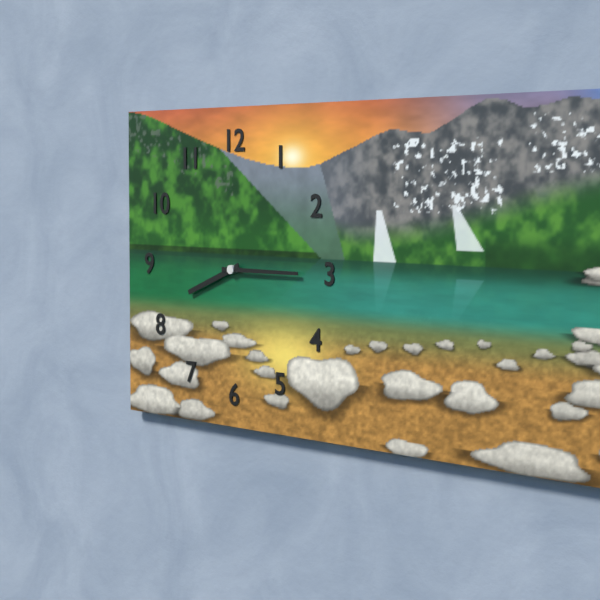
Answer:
8,15
